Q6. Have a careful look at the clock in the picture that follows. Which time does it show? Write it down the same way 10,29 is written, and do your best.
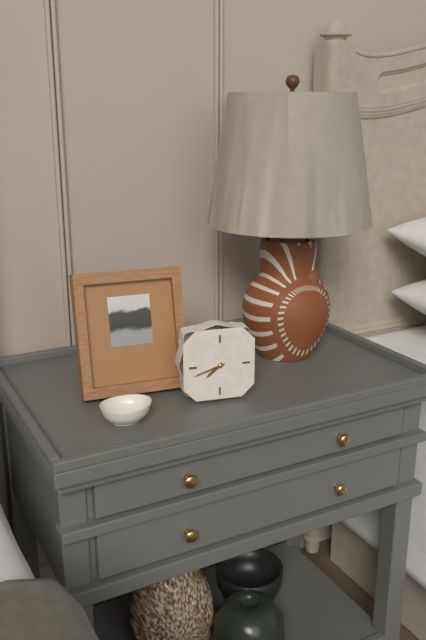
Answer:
7,42
